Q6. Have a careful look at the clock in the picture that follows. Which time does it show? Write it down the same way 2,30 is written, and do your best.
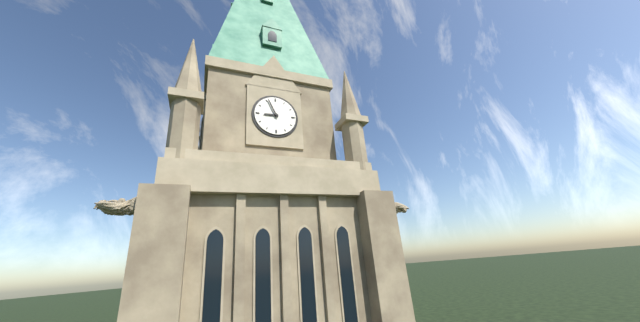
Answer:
8,56
